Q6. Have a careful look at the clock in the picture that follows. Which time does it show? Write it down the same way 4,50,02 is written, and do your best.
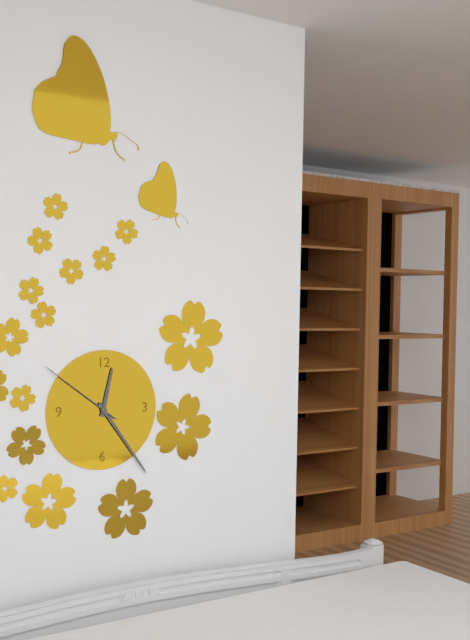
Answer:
12,24,51
